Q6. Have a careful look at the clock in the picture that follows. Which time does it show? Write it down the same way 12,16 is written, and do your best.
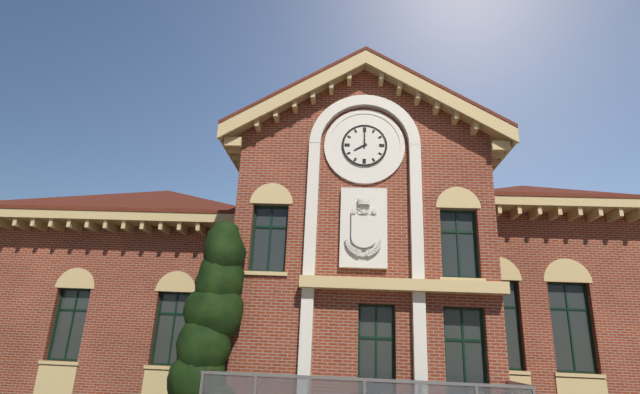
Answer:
8,00
